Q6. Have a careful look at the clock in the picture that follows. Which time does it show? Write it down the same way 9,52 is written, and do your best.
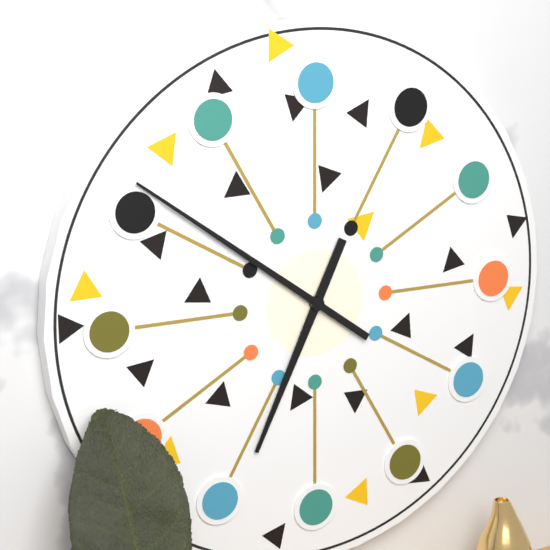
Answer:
6,51
